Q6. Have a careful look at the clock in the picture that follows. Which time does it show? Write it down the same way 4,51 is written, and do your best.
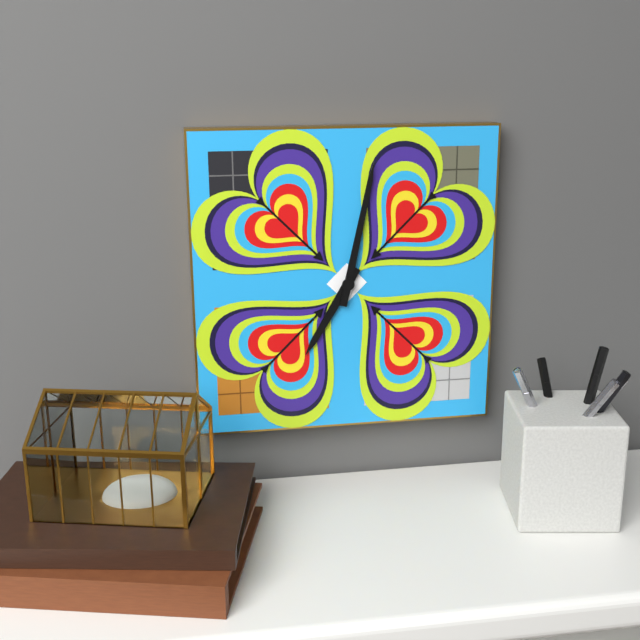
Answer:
7,02
